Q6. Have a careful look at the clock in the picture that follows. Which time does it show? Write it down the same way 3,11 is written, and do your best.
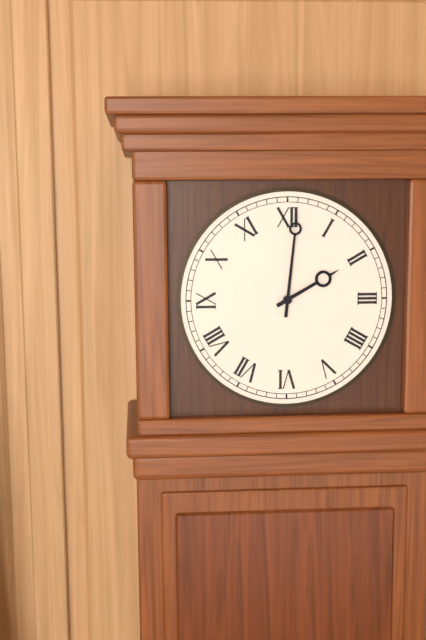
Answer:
2,01
